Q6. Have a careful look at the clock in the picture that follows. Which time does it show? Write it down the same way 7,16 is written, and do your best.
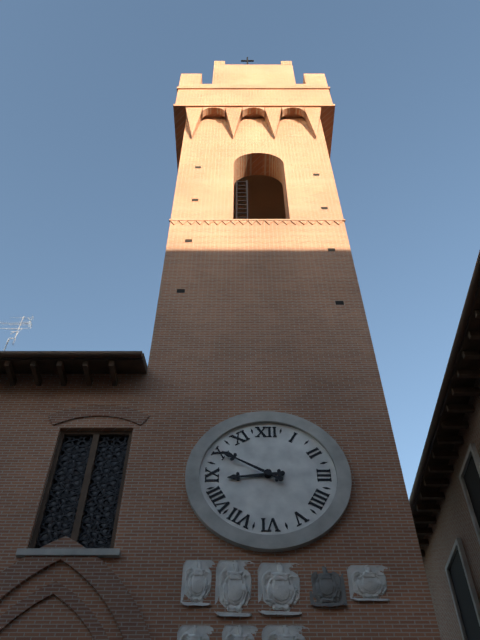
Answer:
8,50
